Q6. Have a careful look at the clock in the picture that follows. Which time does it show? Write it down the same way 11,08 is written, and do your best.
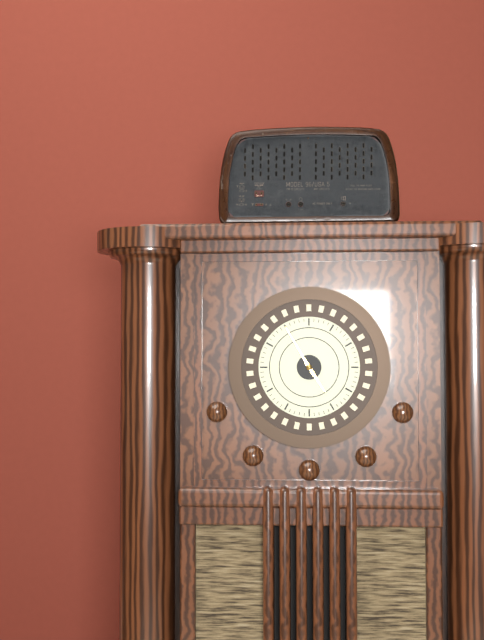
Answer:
4,55
